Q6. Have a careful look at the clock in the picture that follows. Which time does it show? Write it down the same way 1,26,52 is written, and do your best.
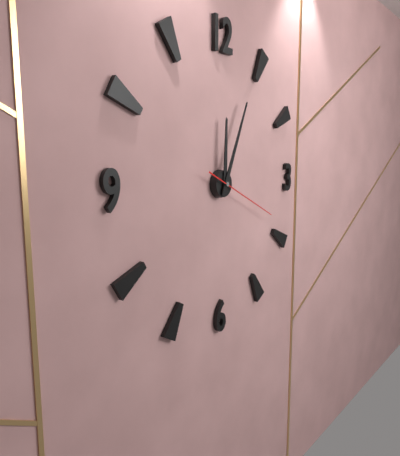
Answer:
12,04,19
